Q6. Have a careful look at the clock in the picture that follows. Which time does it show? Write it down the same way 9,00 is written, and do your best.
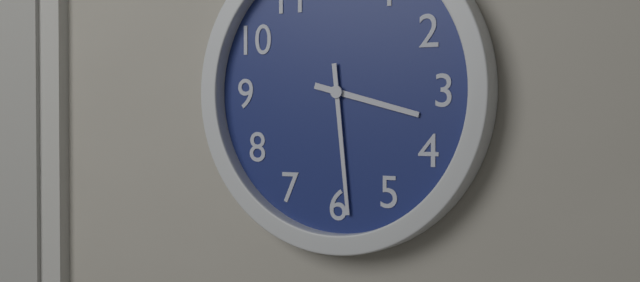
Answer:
3,29
